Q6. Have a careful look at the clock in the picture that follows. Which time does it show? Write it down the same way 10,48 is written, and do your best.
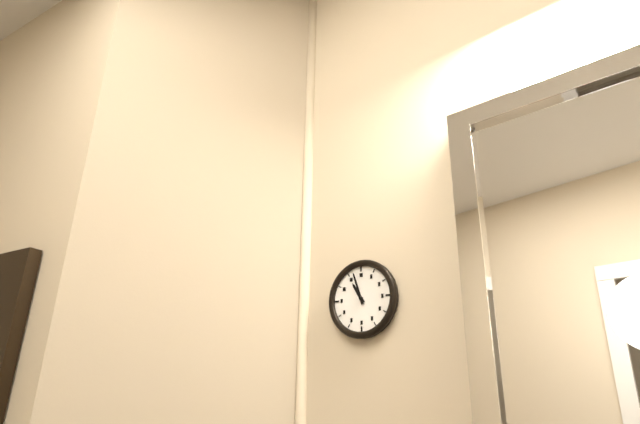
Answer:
10,57
